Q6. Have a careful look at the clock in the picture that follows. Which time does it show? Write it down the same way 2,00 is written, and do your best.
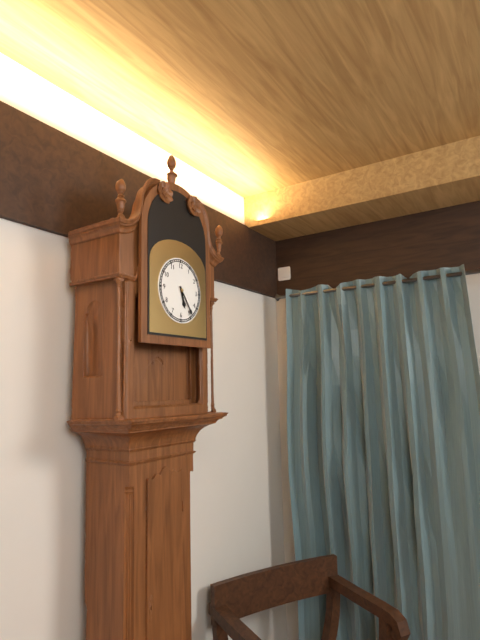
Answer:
5,24
